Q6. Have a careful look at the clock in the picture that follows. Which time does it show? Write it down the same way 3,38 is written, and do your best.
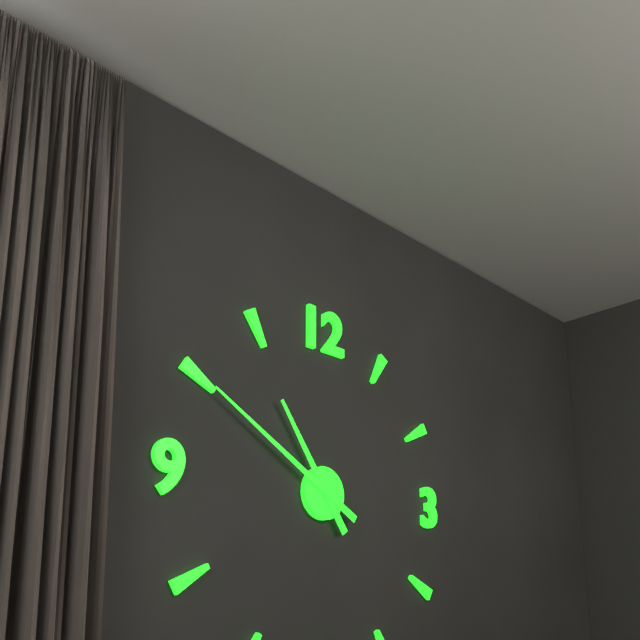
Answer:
10,50
